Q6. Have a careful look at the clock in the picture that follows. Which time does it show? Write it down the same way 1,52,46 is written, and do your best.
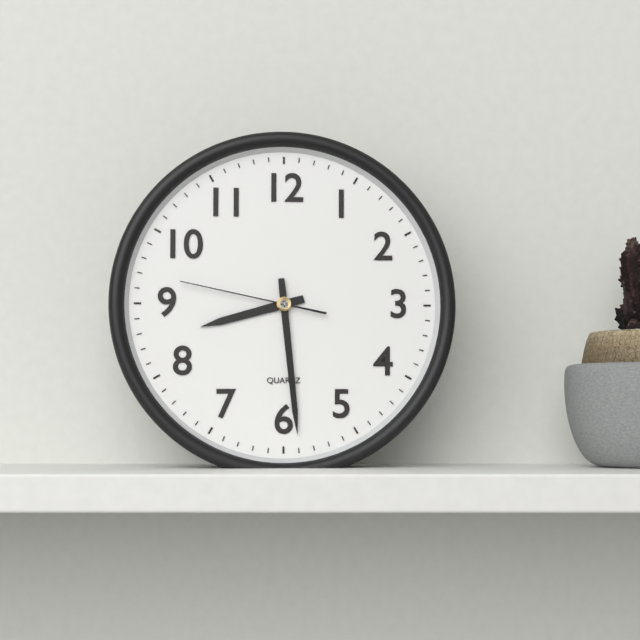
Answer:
8,29,47
